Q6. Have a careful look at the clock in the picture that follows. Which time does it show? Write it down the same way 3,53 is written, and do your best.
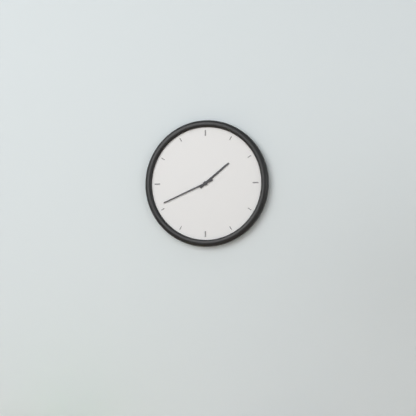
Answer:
1,41
